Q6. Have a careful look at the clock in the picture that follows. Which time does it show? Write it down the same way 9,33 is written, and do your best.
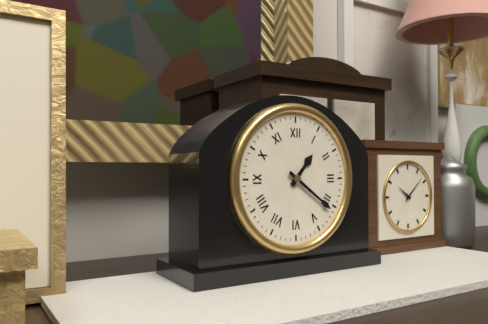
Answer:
1,21
